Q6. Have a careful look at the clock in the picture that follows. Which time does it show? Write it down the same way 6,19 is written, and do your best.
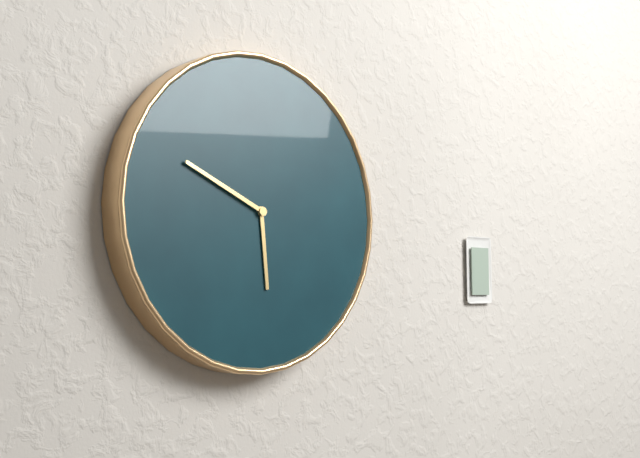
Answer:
5,49
